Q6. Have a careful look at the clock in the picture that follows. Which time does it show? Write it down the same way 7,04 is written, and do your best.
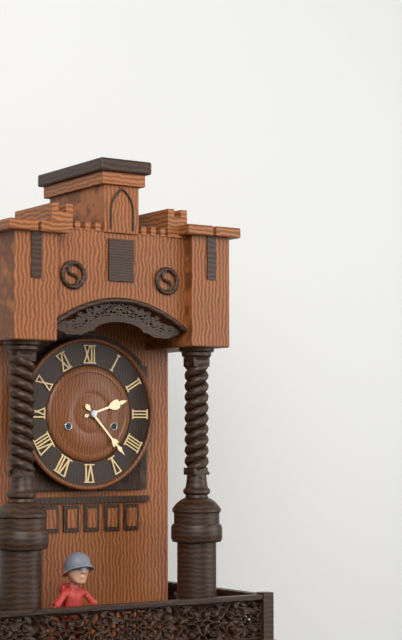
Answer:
2,23
